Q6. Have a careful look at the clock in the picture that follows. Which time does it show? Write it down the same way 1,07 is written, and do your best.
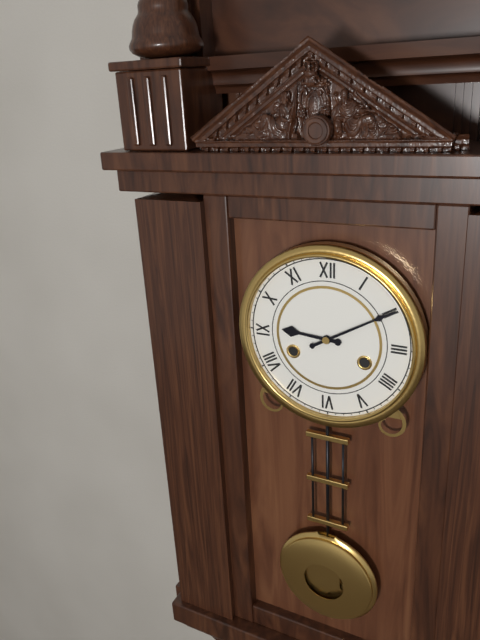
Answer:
9,10
